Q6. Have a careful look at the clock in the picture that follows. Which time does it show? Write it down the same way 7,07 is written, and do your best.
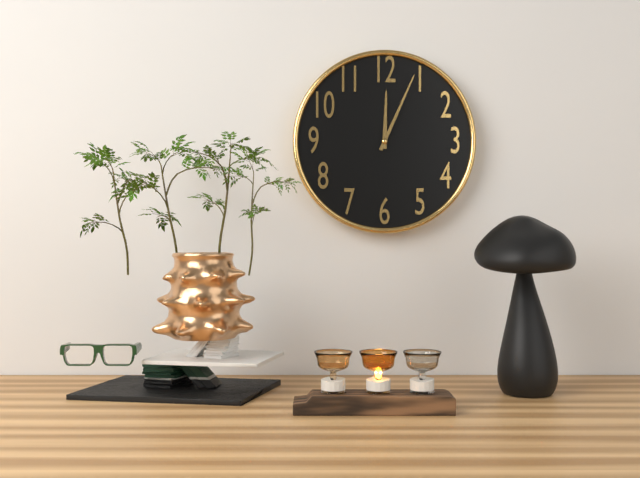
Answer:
12,04
